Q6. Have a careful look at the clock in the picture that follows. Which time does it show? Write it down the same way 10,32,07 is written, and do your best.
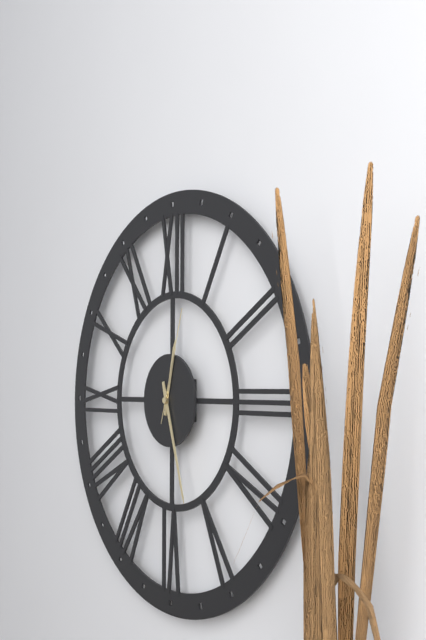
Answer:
12,27,03
